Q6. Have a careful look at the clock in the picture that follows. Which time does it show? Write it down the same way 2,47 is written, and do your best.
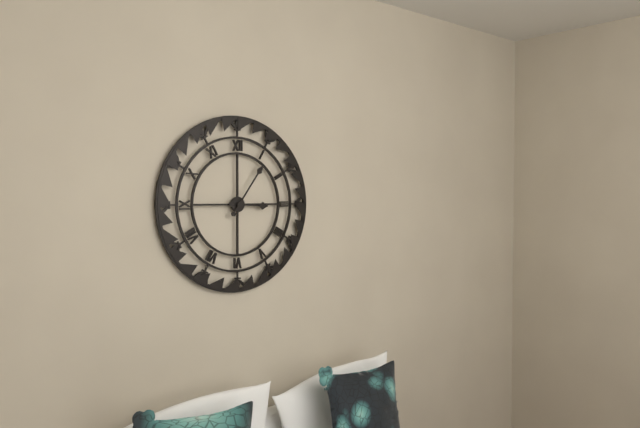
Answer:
3,06
